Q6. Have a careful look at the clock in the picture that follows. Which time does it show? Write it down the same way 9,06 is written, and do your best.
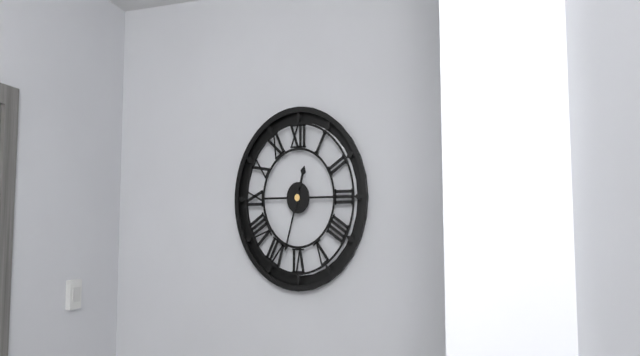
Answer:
12,33
